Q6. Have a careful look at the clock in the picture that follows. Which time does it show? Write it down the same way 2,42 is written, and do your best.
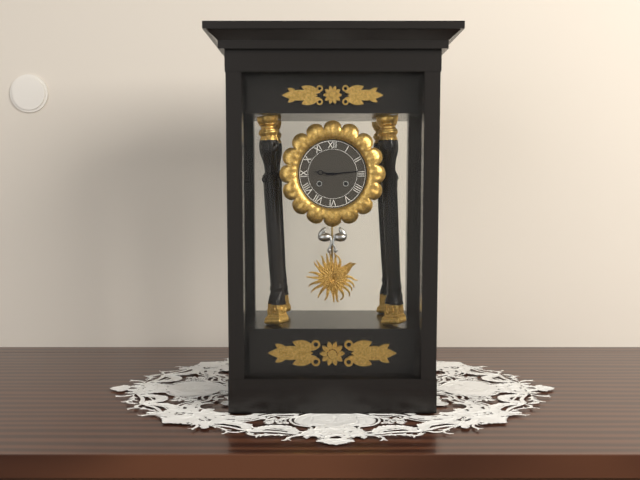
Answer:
9,14
